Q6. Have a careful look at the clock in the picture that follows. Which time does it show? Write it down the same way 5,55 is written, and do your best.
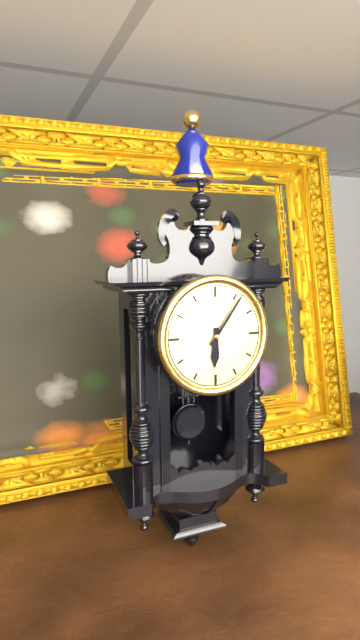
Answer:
6,06
